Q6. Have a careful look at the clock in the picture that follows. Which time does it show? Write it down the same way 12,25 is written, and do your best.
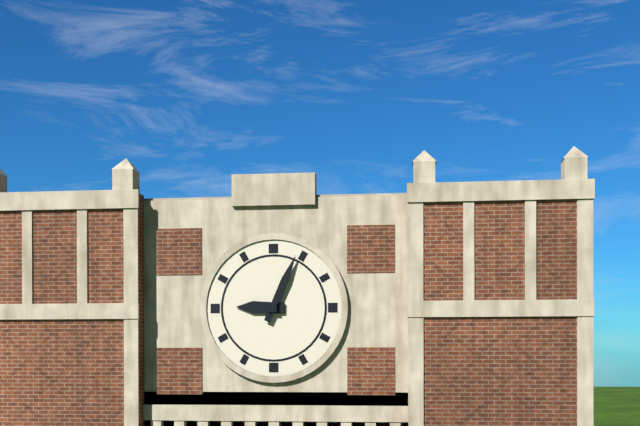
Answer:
9,04
